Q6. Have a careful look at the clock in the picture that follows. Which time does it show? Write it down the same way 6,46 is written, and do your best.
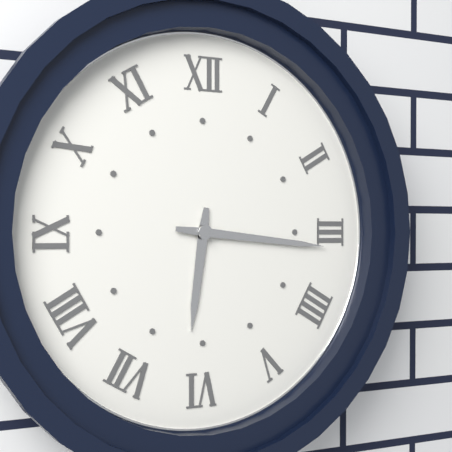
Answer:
6,16
